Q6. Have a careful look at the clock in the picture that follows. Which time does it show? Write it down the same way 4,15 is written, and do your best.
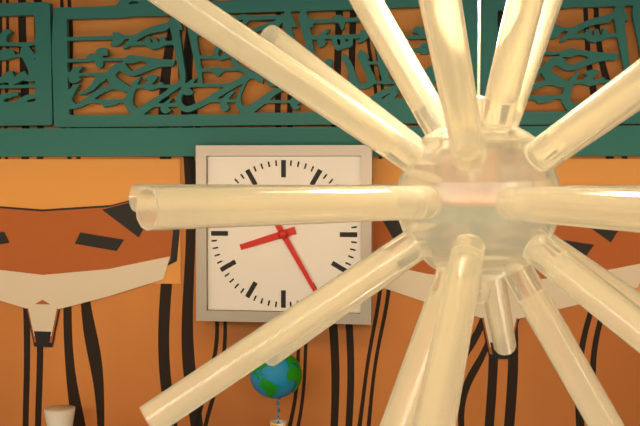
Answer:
8,25
